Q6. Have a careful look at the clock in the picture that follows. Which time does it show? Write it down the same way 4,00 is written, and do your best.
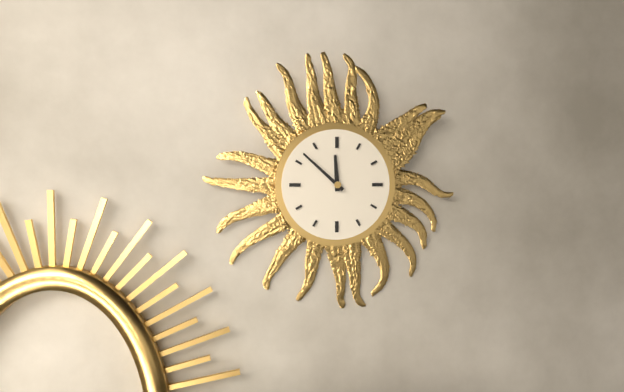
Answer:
11,52
